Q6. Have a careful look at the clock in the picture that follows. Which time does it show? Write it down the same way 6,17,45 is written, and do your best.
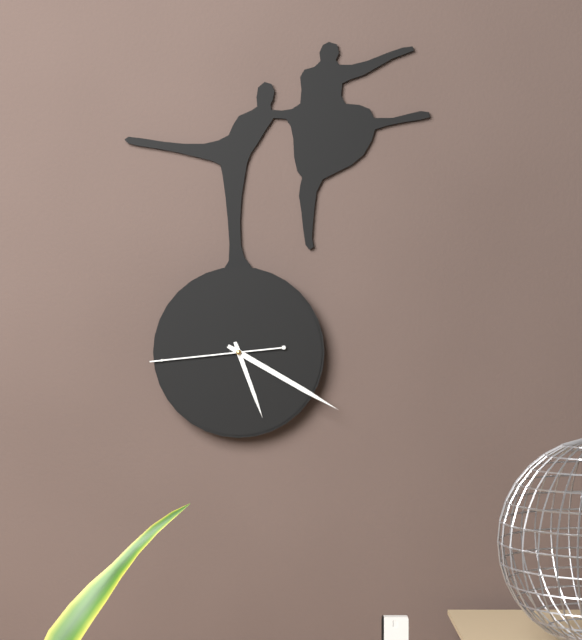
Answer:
5,20,44
